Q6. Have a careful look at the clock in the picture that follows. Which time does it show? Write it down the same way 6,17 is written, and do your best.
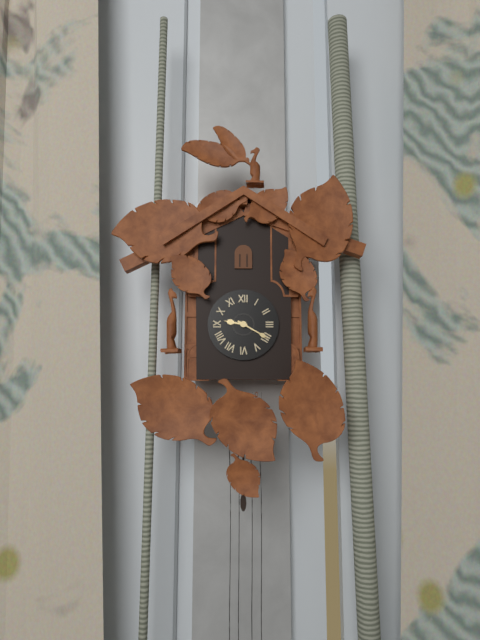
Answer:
9,20
